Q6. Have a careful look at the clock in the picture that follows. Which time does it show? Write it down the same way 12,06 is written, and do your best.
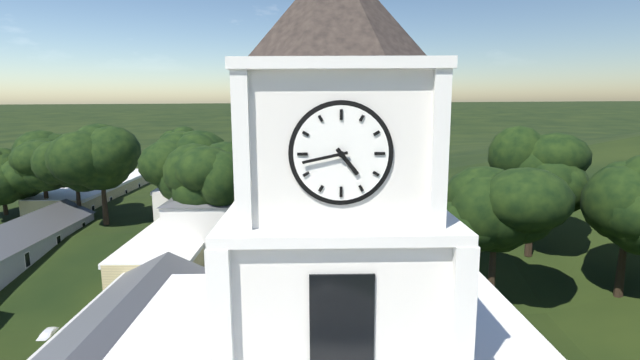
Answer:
4,43
